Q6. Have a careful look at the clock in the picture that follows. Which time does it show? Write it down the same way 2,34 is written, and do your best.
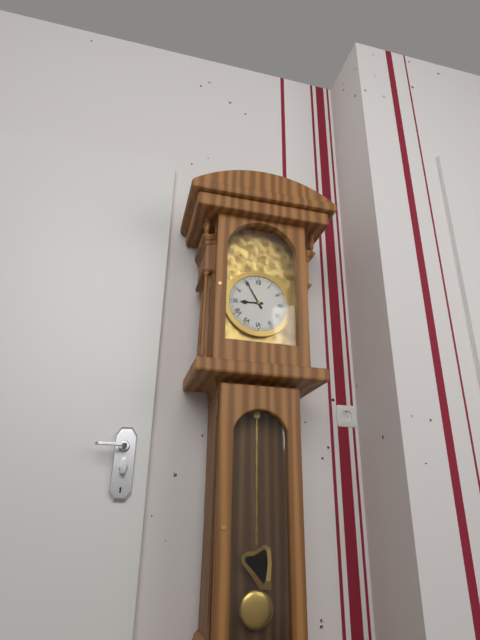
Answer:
8,55
